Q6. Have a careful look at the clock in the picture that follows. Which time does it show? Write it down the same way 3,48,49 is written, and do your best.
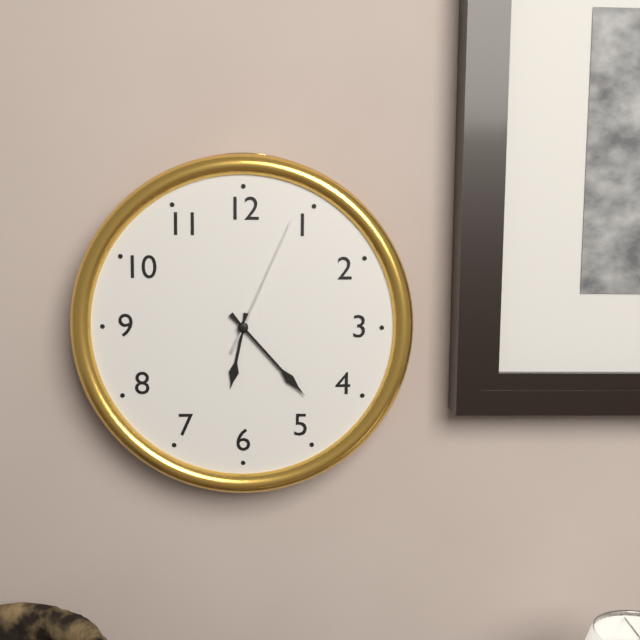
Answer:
6,23,04
